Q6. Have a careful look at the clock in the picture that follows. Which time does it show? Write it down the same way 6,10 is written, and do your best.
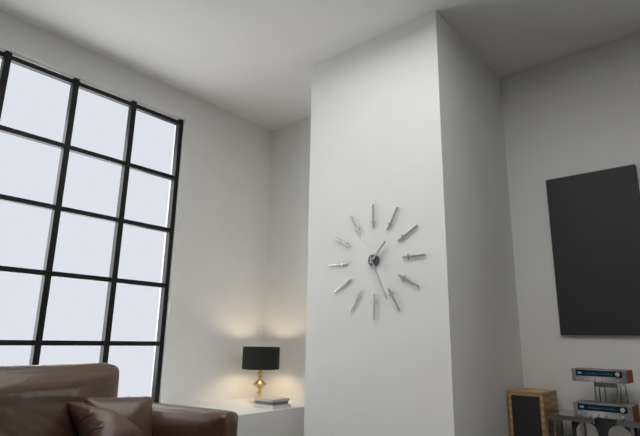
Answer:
1,26
